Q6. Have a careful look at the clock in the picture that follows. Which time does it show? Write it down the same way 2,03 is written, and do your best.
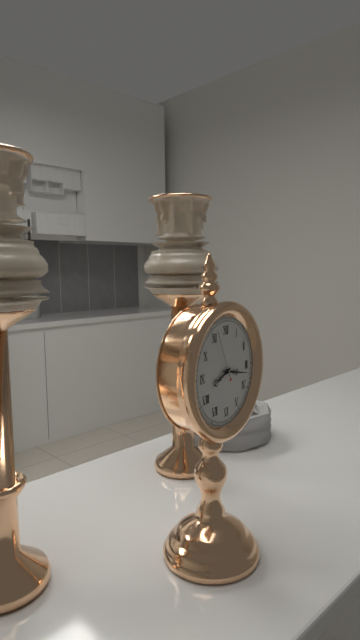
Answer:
8,17
